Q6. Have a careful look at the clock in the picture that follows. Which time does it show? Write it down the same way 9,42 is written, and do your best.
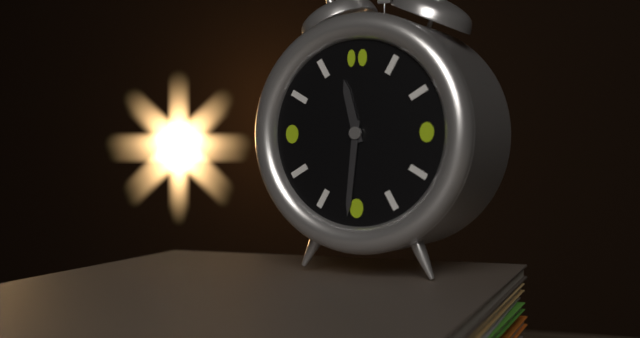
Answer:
11,31
